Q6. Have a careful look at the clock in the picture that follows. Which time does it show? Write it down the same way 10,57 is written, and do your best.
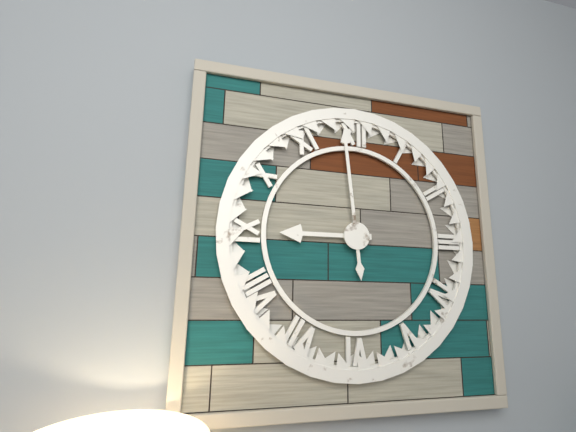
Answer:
8,59
